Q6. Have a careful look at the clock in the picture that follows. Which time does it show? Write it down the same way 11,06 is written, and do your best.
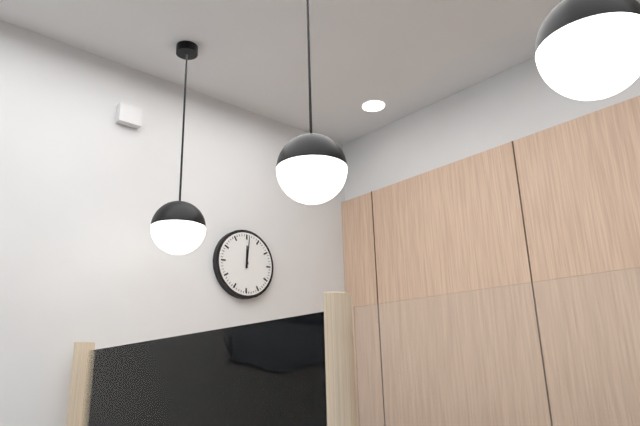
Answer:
12,01
